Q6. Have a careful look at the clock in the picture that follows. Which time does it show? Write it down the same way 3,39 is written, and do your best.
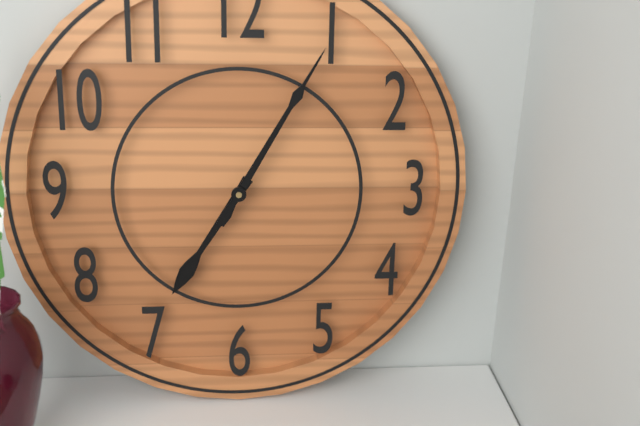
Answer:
7,05
